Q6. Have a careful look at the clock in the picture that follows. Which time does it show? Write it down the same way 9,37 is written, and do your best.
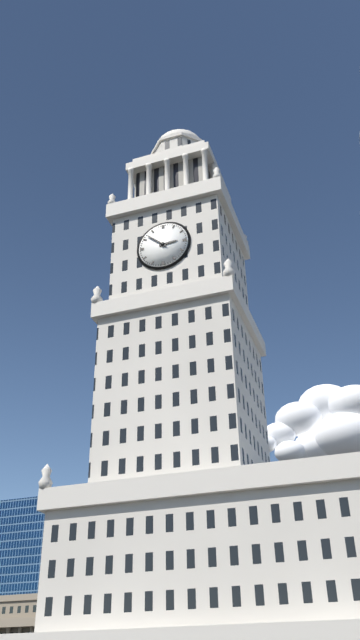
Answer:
2,52
